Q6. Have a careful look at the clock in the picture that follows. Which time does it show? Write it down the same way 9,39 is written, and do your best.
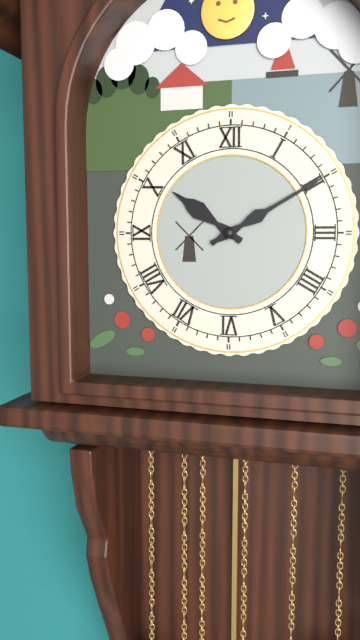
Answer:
10,10
